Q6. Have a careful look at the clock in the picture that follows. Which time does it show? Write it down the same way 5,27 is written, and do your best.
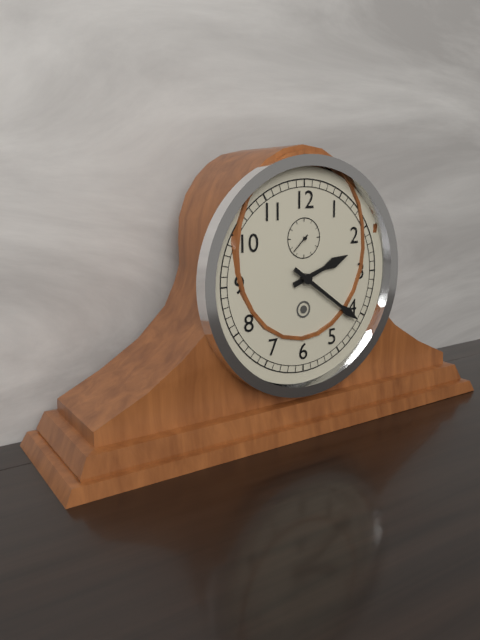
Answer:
2,21
